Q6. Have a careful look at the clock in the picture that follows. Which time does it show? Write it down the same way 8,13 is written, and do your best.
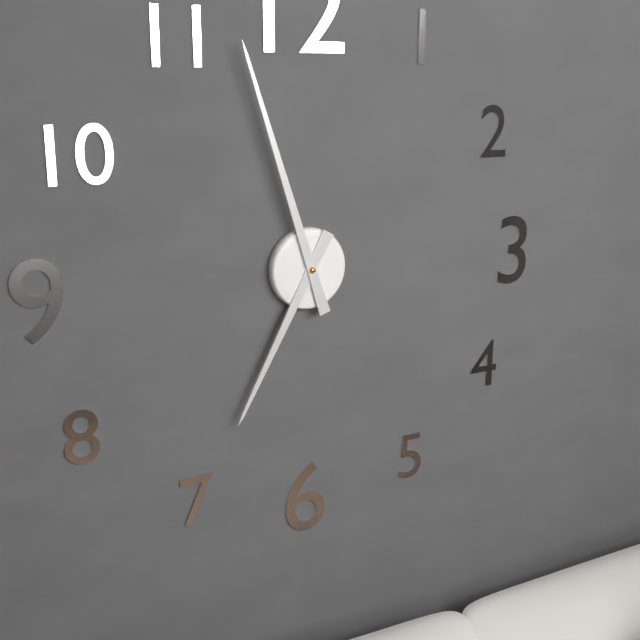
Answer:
6,57
